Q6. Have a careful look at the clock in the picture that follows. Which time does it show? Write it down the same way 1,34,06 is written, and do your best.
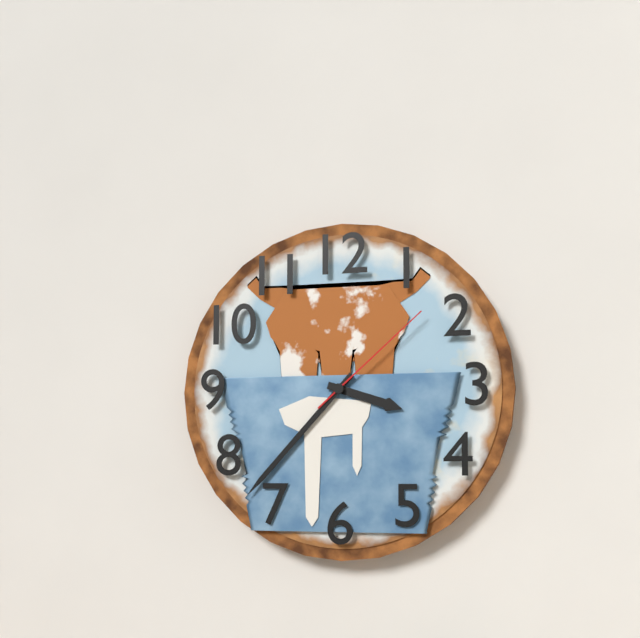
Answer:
3,37,08
